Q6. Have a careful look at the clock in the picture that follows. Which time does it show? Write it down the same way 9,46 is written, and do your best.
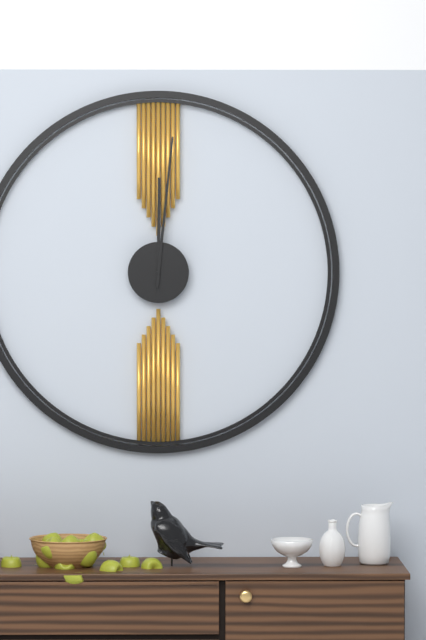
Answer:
12,01
